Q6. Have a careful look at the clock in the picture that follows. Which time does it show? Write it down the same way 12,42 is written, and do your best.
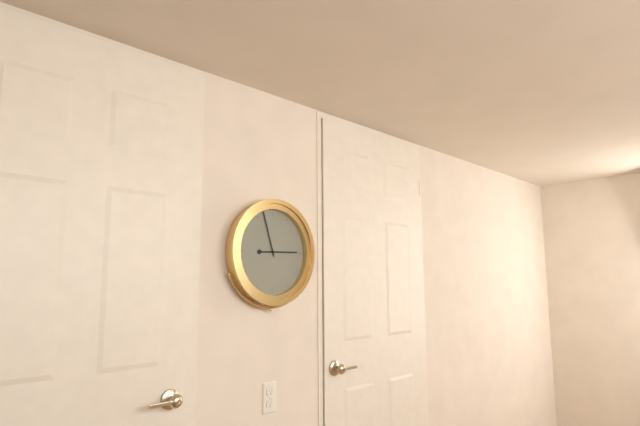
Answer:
2,57
